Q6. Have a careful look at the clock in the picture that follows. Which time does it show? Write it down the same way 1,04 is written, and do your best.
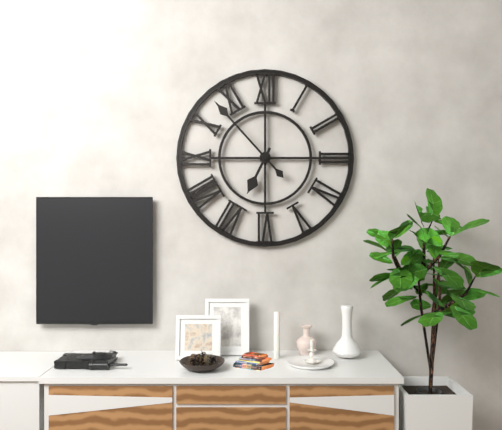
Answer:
6,53
